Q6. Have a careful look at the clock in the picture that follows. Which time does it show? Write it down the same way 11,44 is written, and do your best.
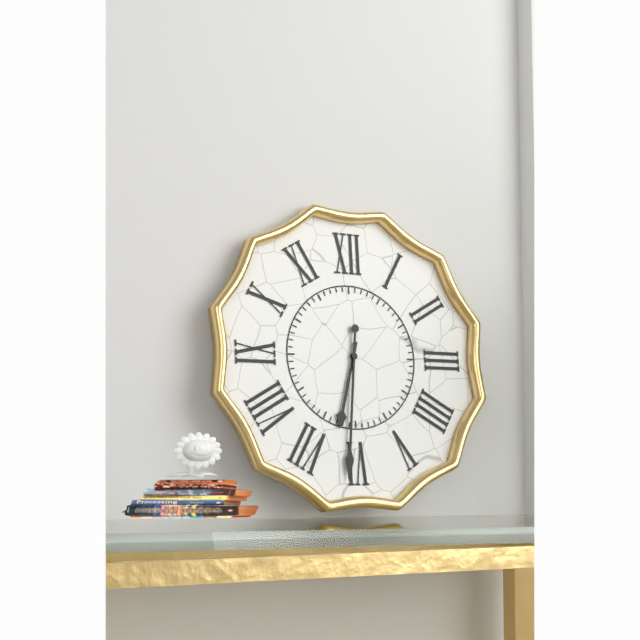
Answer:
6,31
